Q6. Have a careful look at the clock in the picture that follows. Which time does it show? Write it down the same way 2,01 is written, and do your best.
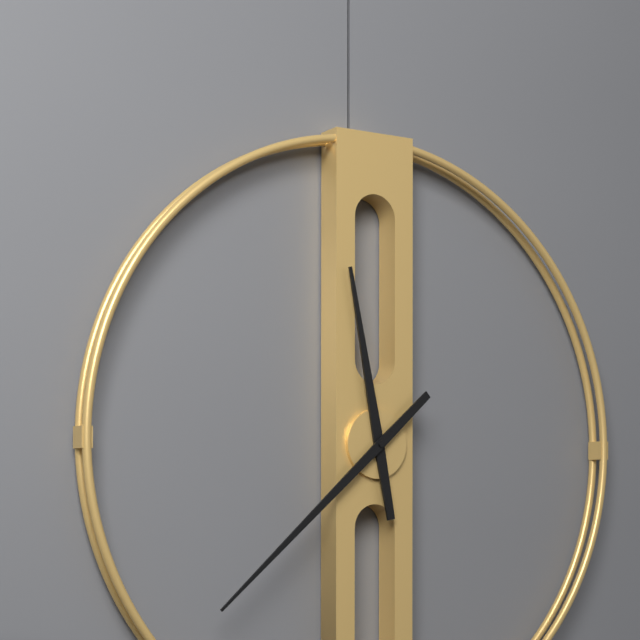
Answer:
11,38
